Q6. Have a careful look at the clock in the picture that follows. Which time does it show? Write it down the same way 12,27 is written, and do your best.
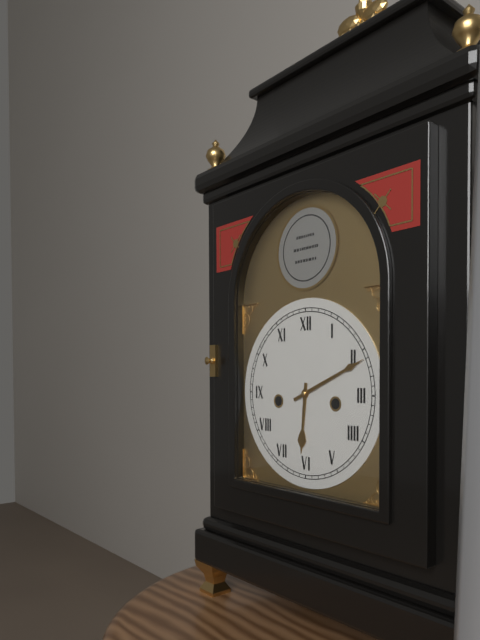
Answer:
6,11
